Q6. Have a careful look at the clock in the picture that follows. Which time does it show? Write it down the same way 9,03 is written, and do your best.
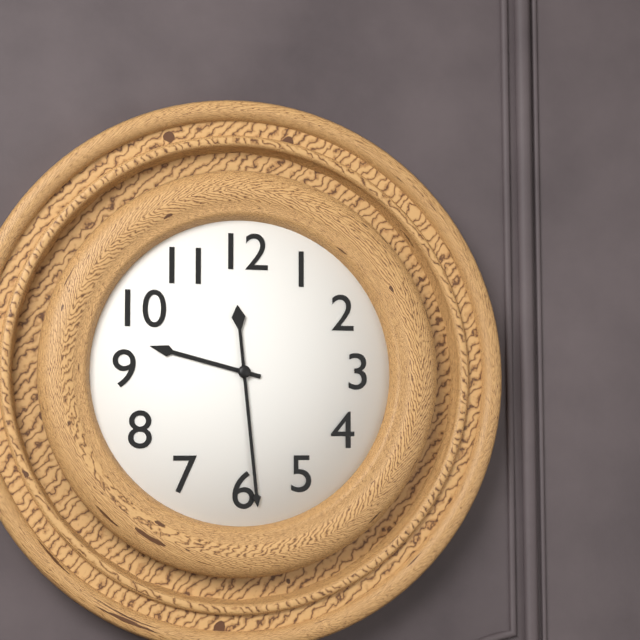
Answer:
9,29
